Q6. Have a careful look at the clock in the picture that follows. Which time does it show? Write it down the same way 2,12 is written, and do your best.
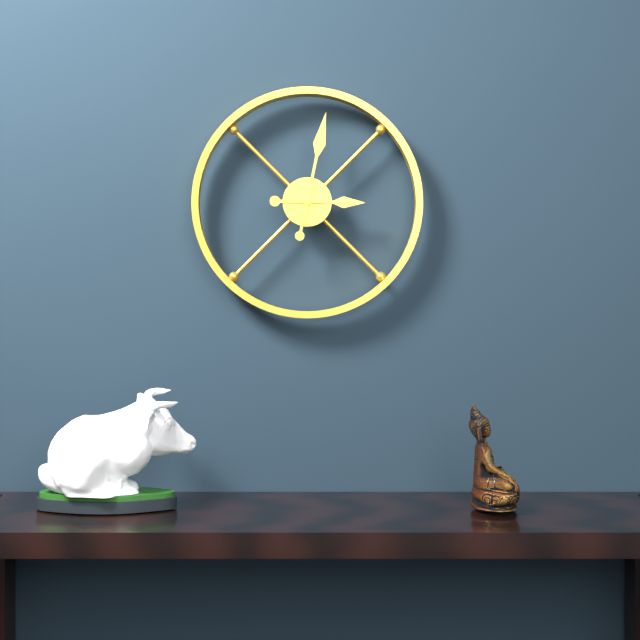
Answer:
3,02
